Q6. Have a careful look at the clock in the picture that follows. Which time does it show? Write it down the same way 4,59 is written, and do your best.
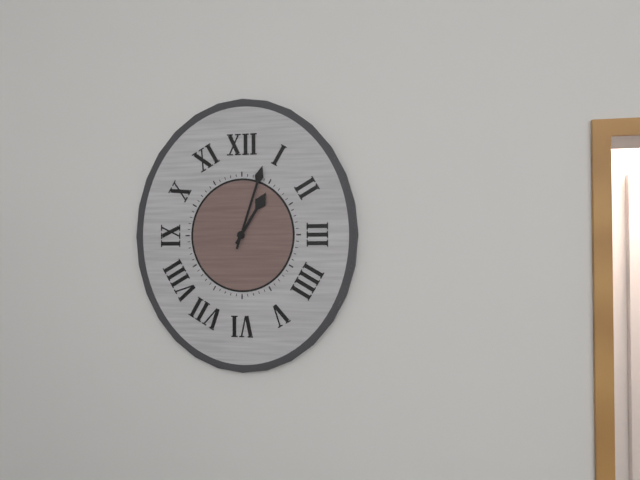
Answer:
1,03
